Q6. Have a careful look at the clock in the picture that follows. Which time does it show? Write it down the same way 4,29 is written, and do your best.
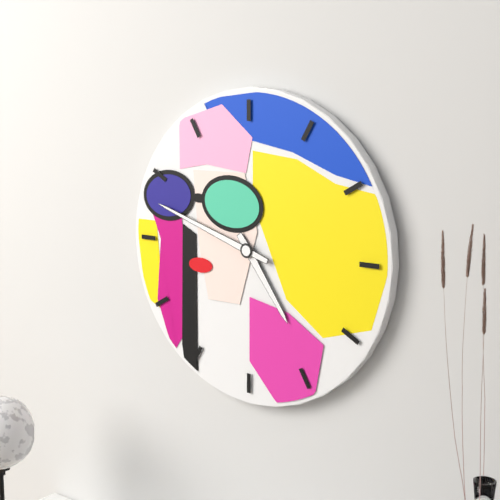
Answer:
4,48
